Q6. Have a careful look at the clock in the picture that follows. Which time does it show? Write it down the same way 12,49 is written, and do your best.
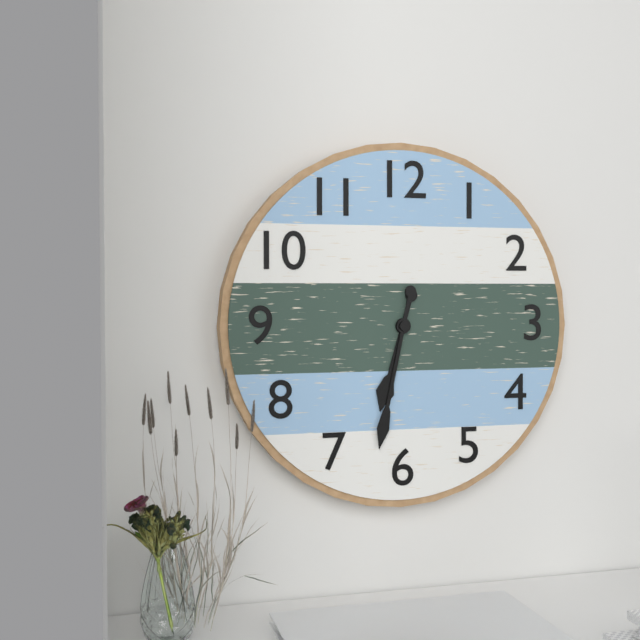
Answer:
6,32
